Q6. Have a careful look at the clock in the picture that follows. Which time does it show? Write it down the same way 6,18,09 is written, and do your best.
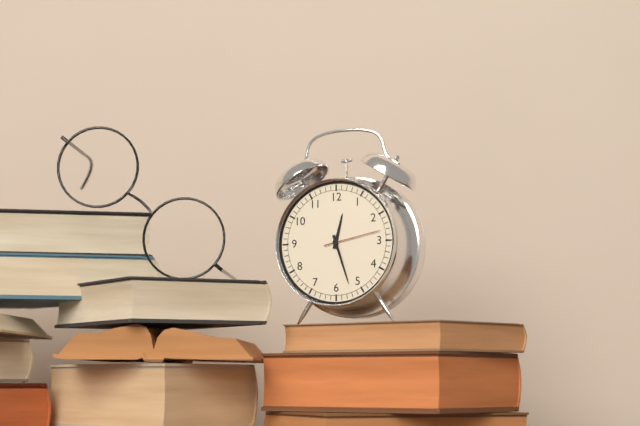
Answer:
12,27,13
